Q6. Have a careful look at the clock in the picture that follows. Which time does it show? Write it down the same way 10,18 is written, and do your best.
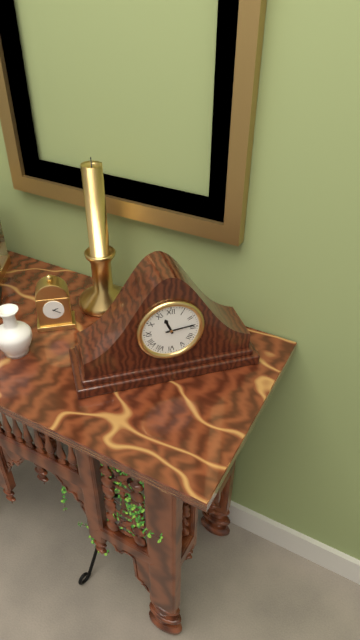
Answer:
11,14
